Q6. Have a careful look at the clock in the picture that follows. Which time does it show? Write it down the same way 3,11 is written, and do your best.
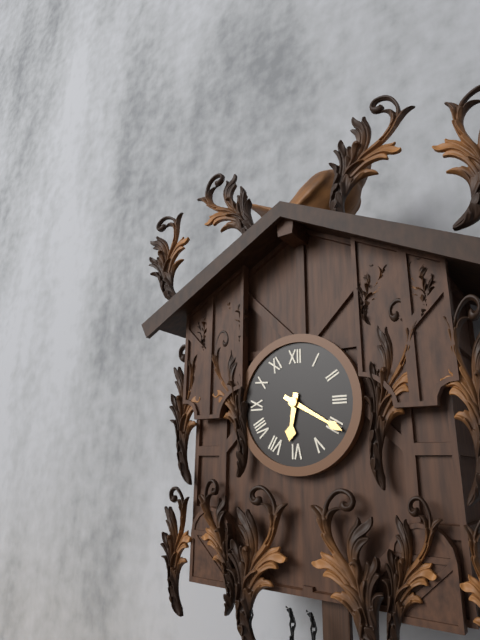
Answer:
6,20
